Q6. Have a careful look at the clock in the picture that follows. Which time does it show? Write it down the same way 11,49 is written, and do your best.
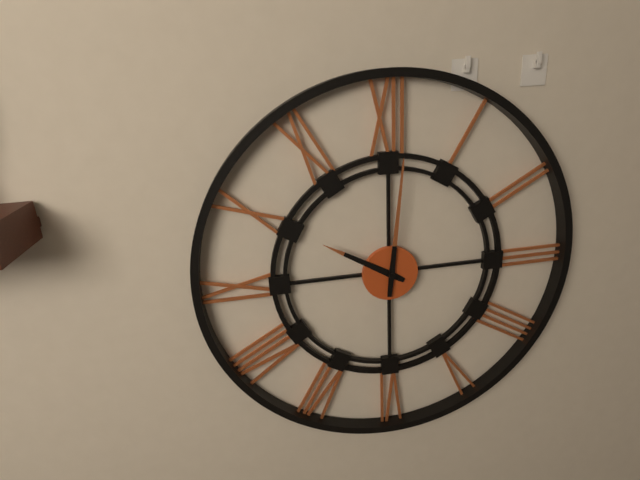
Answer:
10,01
